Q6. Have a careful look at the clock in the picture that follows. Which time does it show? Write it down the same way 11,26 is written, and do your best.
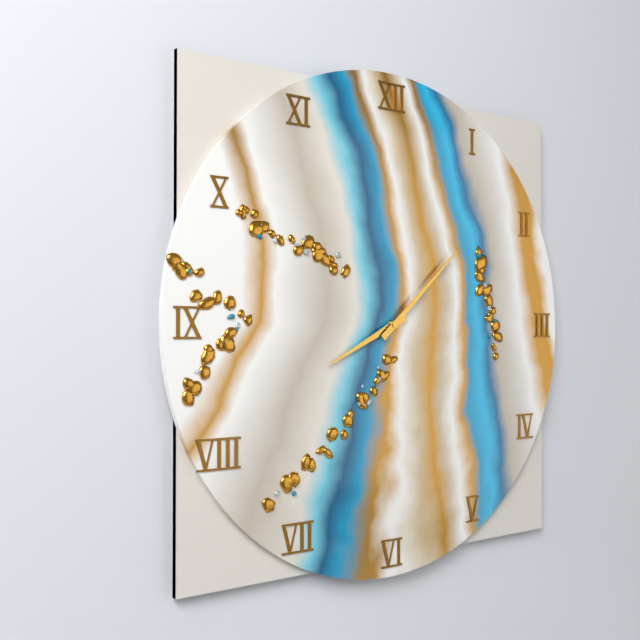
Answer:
8,08
